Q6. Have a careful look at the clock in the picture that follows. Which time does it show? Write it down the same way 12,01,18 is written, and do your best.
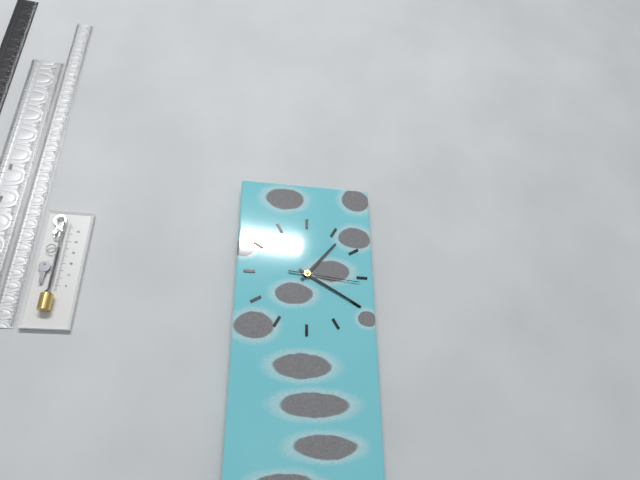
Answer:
1,20,16
